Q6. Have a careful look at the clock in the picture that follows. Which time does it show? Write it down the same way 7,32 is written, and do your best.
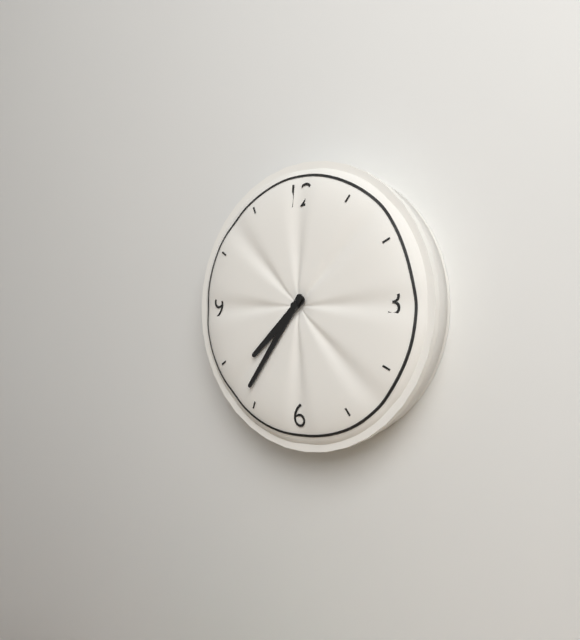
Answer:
7,36
